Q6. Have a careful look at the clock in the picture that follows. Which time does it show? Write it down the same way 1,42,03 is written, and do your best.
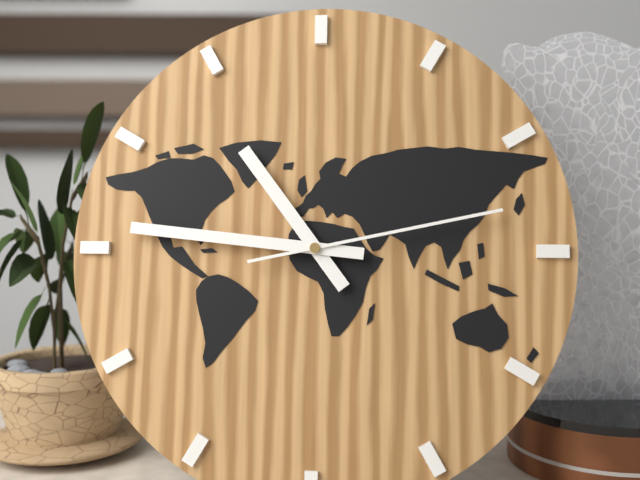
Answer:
10,46,13
